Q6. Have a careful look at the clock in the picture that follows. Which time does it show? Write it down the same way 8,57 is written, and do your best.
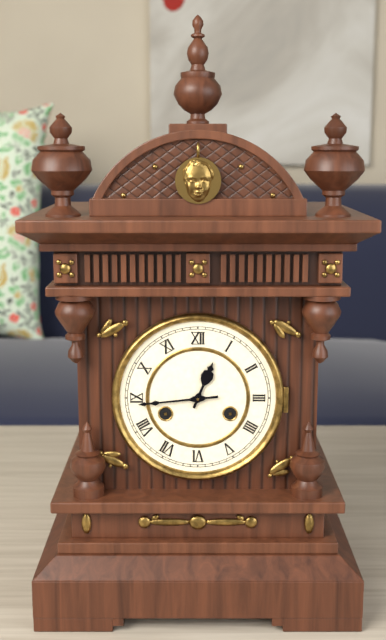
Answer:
12,44
